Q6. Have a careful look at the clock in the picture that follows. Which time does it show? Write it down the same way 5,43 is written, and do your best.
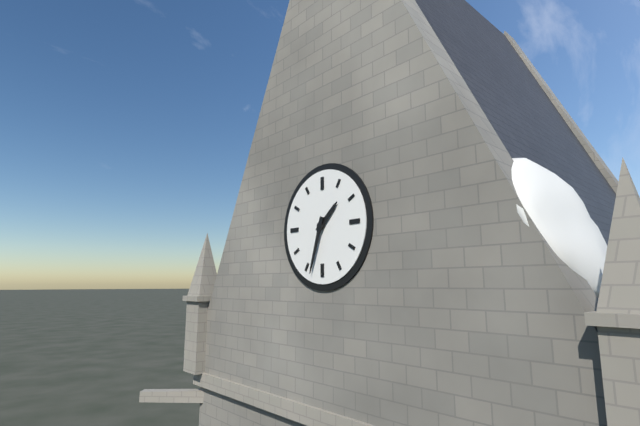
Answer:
1,33
